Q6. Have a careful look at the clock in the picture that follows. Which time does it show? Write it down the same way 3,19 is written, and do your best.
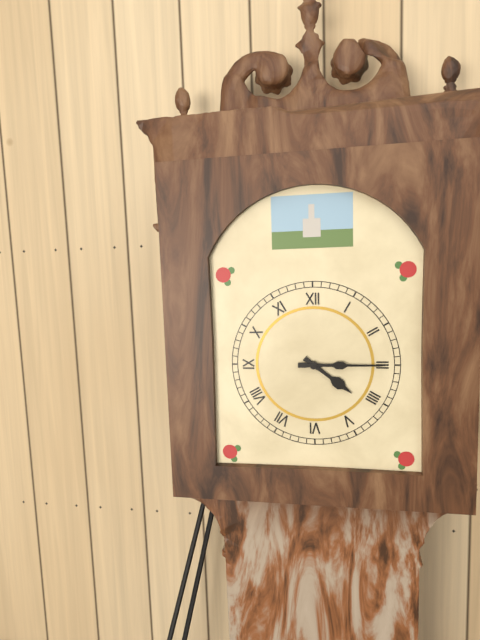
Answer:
4,15
